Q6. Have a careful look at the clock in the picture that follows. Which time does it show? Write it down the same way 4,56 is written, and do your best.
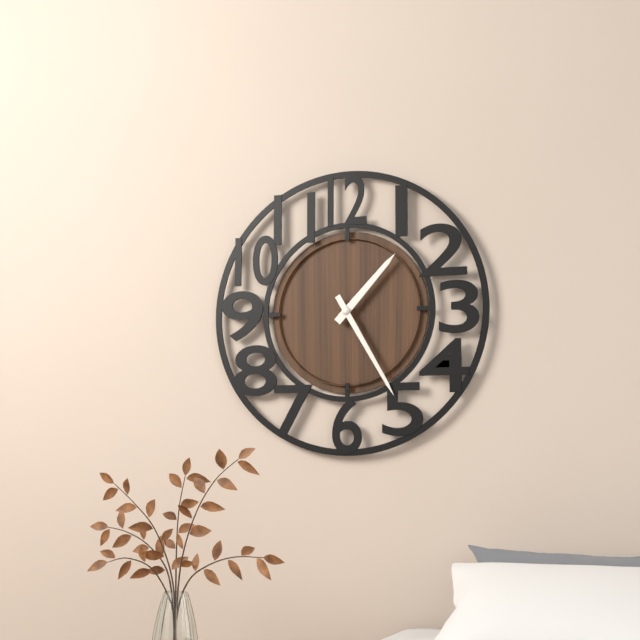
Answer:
1,25
